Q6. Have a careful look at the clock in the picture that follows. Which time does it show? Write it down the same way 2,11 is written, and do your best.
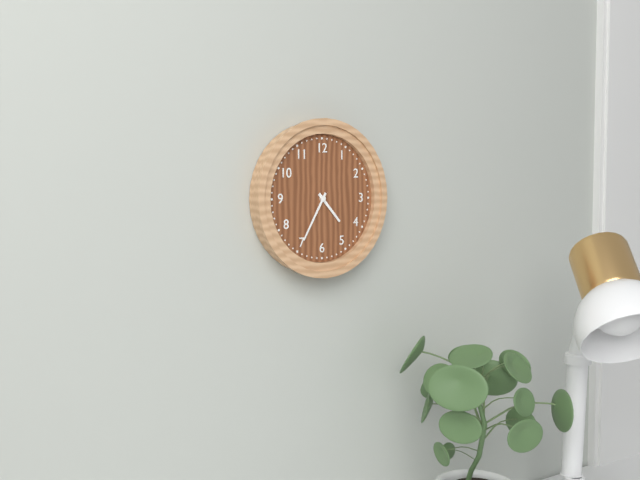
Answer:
4,35
